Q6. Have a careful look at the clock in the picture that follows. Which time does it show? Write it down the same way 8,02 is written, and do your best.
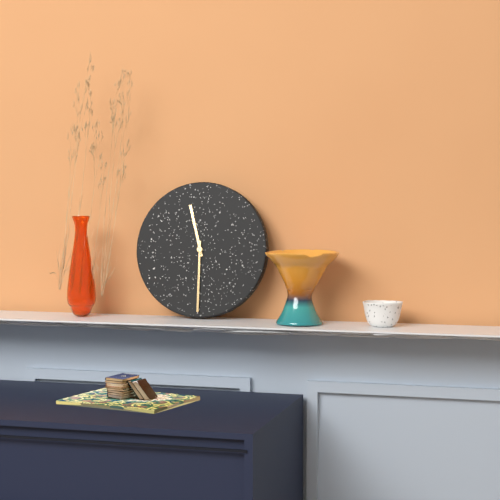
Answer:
11,30
